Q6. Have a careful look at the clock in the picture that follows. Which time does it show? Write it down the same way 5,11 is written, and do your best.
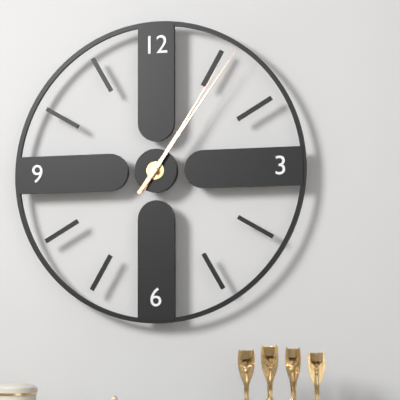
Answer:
1,06
